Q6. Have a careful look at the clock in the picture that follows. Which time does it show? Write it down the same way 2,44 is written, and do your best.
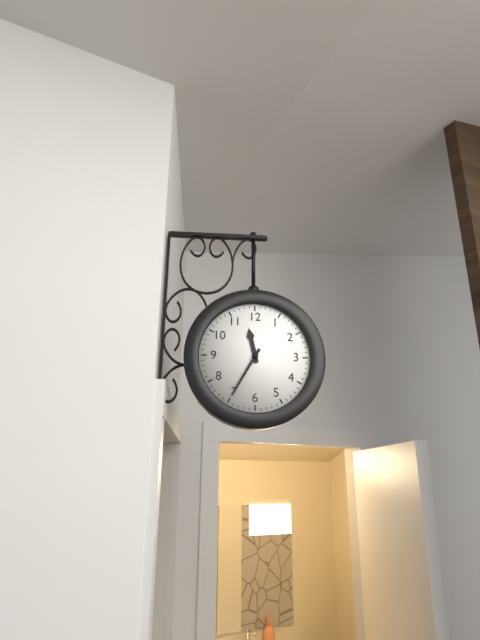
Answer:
11,35
